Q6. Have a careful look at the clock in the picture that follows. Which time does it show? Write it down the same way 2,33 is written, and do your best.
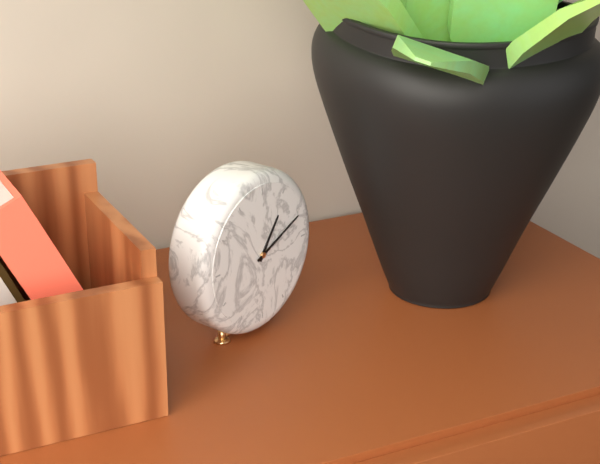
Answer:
1,11
